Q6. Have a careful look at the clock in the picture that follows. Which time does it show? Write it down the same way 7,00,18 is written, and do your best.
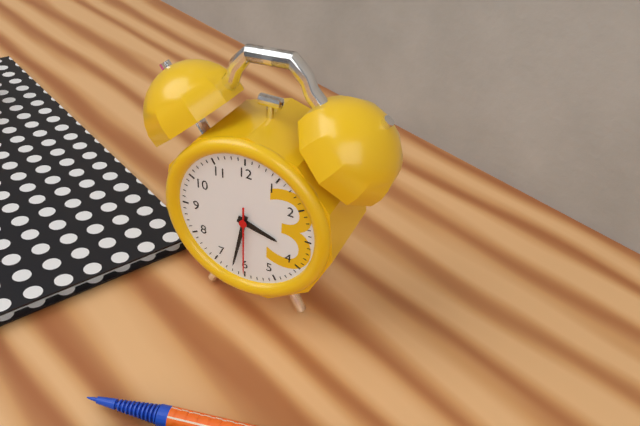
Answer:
3,32,30
